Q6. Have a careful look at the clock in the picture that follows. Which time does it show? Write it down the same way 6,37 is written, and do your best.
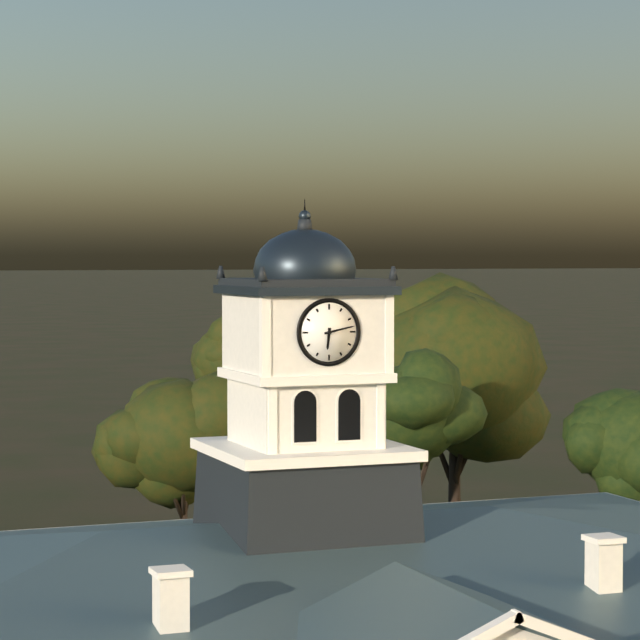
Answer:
6,13
